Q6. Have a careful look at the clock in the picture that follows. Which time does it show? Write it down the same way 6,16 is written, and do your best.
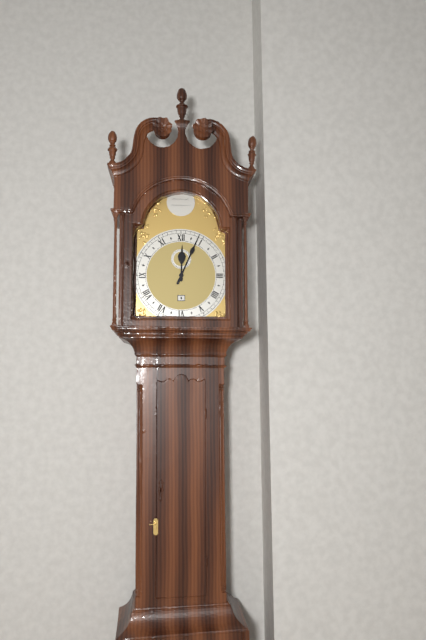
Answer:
12,04
